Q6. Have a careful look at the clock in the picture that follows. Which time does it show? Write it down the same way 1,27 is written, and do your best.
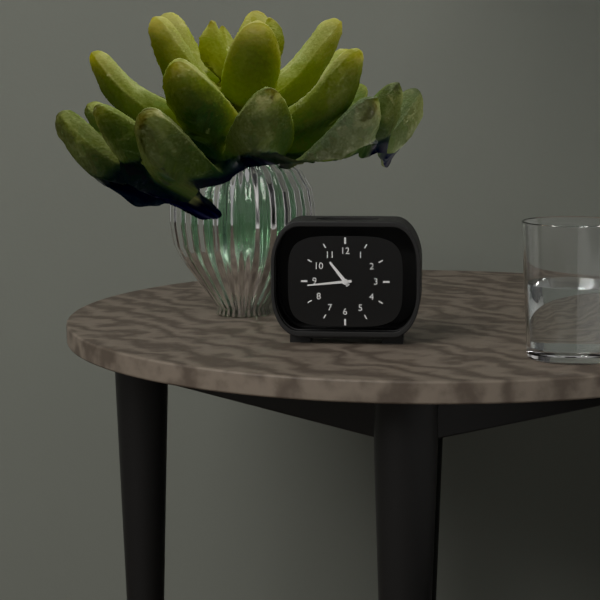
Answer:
10,44
